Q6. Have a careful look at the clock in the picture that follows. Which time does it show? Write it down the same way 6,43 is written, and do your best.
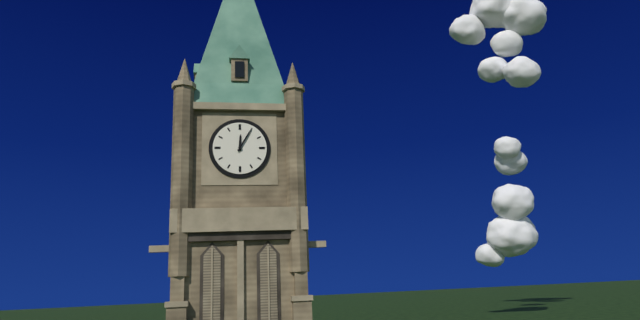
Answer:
12,05
